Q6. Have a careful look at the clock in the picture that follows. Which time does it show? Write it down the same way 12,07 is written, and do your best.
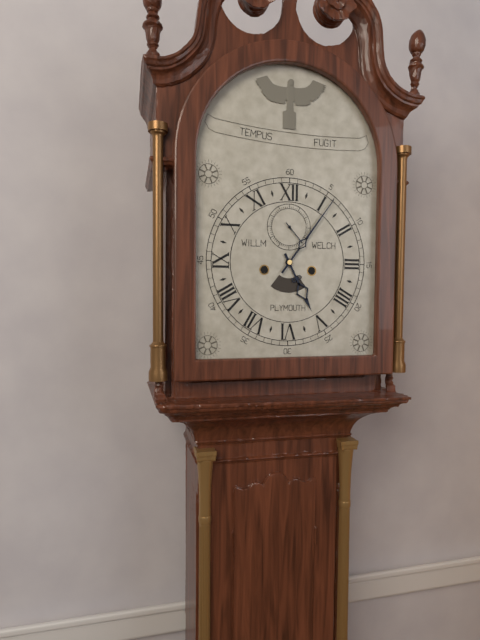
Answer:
5,06
